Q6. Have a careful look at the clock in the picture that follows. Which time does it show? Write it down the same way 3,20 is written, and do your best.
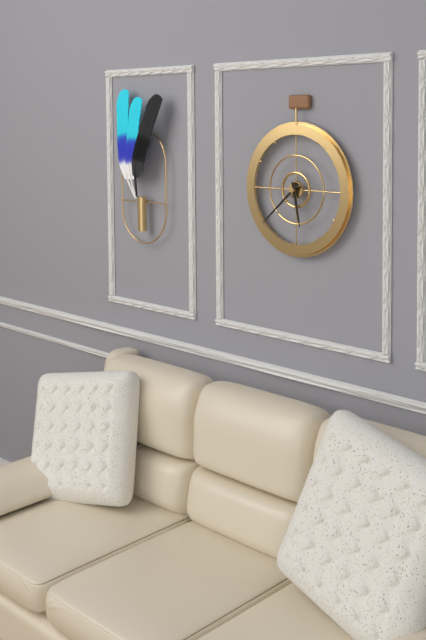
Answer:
5,38
